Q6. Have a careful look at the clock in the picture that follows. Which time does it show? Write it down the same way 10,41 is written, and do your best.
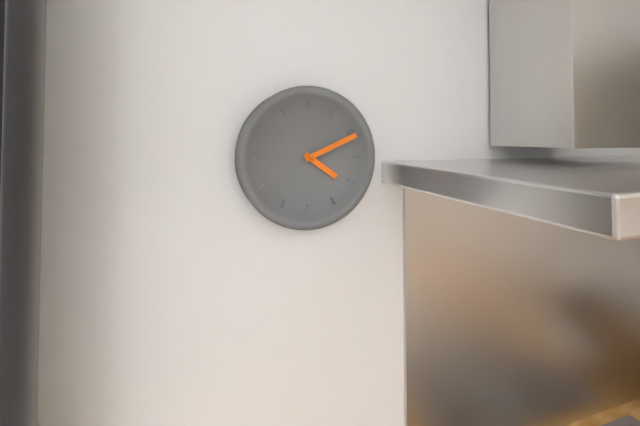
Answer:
4,11
